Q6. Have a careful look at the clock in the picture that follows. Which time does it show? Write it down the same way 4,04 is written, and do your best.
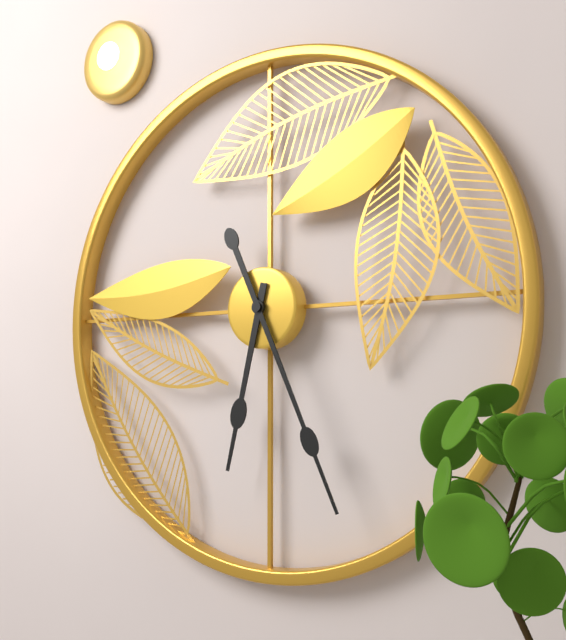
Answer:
6,26
